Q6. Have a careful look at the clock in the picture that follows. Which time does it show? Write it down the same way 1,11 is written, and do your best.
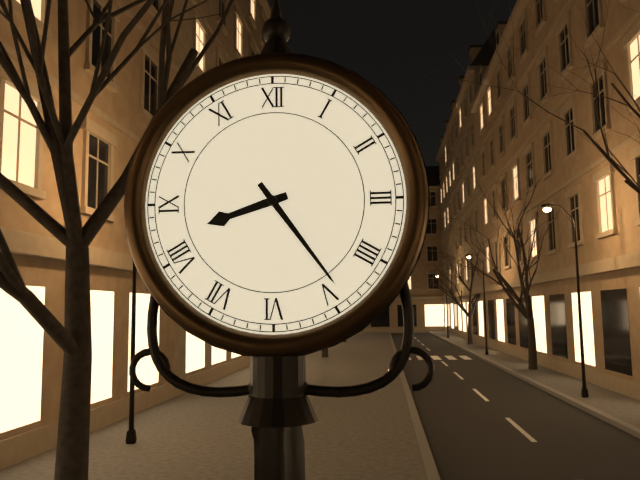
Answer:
8,24
